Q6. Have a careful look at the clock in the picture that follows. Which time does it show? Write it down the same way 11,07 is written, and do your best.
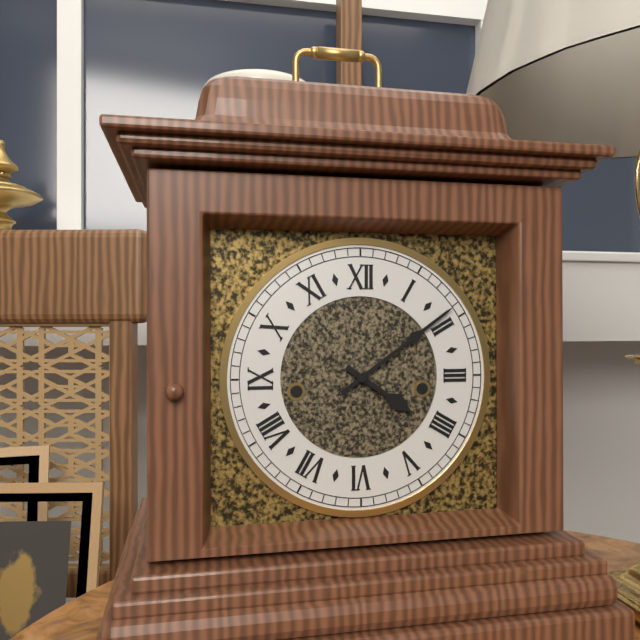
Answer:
4,09
